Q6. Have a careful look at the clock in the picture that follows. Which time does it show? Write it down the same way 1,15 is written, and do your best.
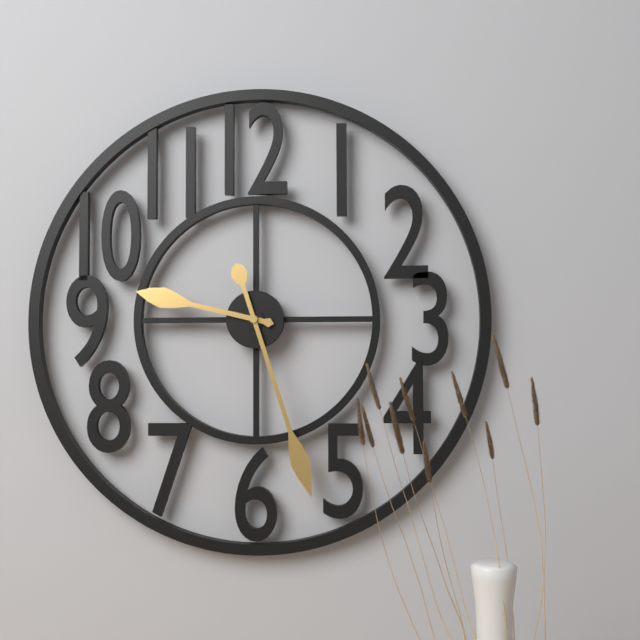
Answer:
9,27
